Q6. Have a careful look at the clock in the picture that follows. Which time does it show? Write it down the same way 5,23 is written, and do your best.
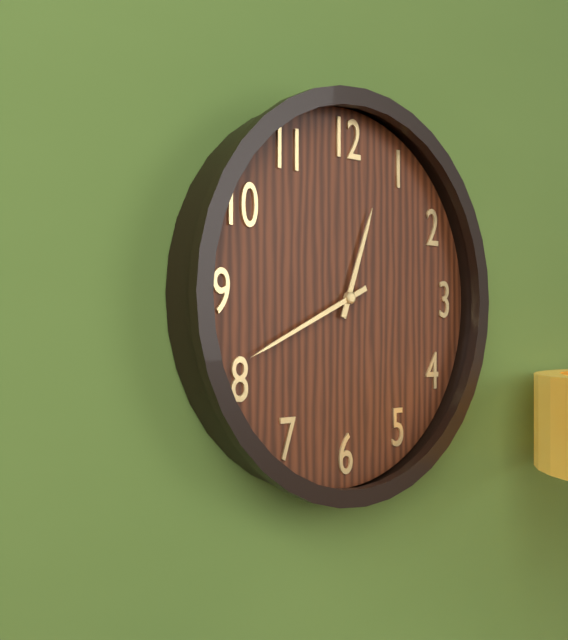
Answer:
12,41
